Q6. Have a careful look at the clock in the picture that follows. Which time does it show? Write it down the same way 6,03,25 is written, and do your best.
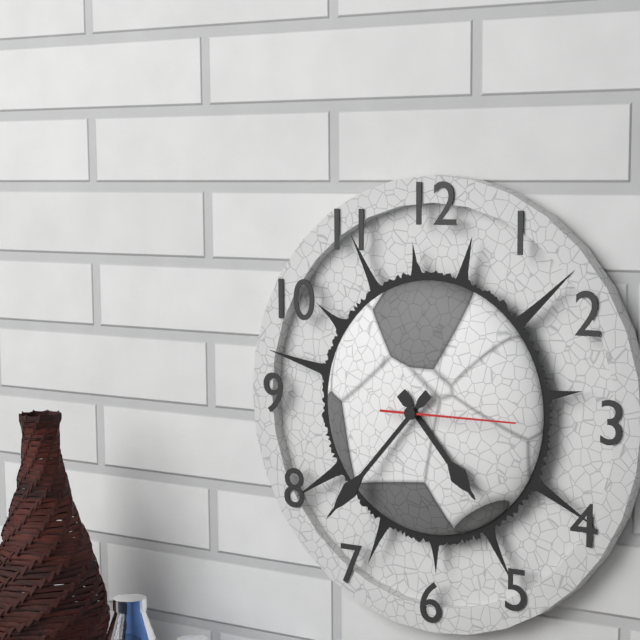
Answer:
4,37,15
